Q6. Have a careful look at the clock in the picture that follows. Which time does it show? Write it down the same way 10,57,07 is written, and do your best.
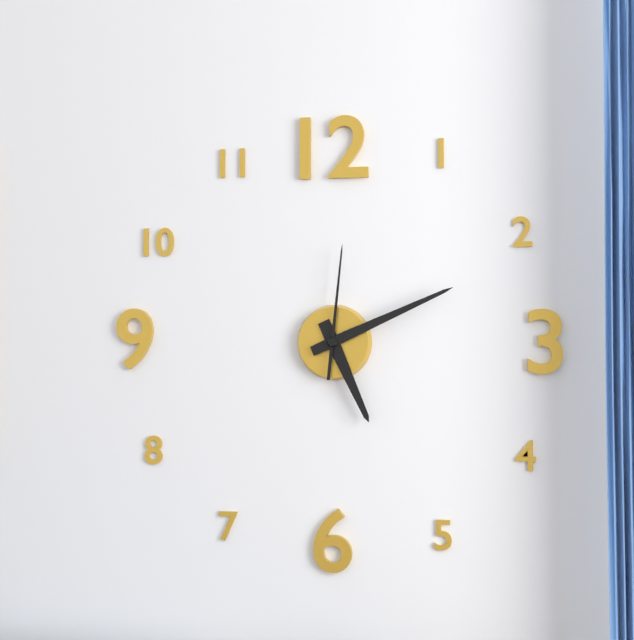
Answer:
5,11,01
